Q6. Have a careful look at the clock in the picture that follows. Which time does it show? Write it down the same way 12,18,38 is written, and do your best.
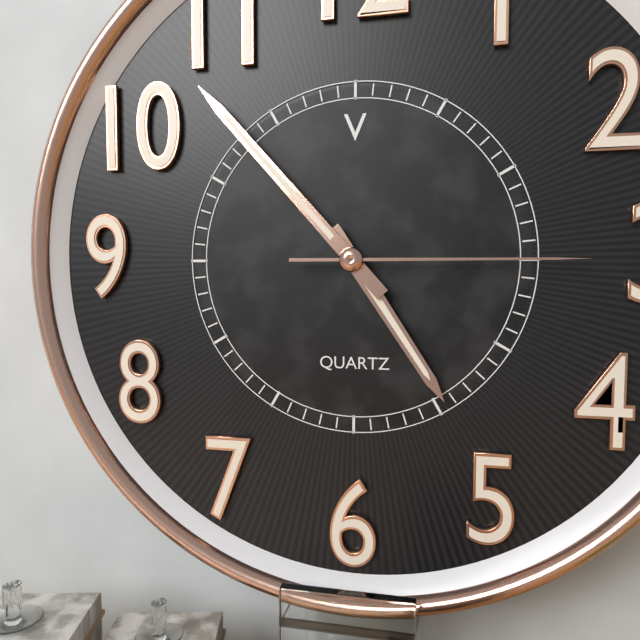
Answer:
4,53,15
